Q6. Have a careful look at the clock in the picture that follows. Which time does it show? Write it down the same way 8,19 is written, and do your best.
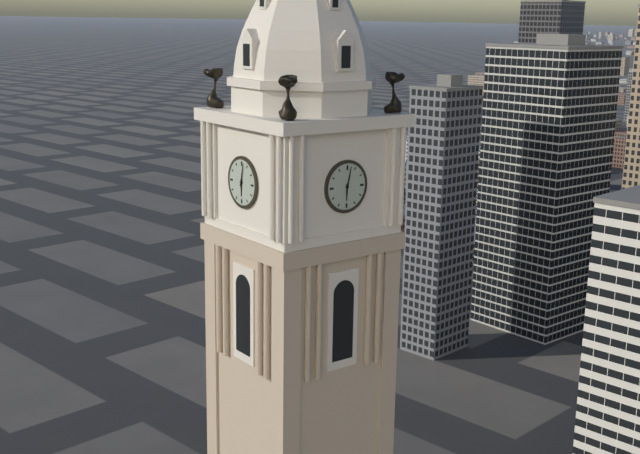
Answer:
6,02
